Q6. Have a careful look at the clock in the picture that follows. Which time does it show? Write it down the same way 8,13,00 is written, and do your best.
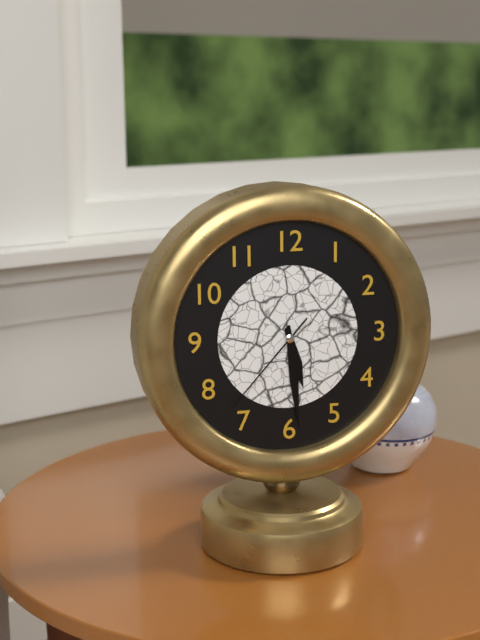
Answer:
5,29,37
